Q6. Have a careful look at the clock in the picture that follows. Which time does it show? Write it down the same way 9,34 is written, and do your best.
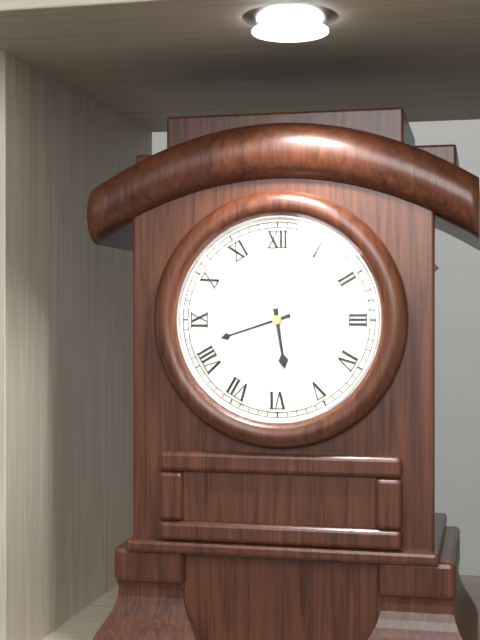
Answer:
5,42
